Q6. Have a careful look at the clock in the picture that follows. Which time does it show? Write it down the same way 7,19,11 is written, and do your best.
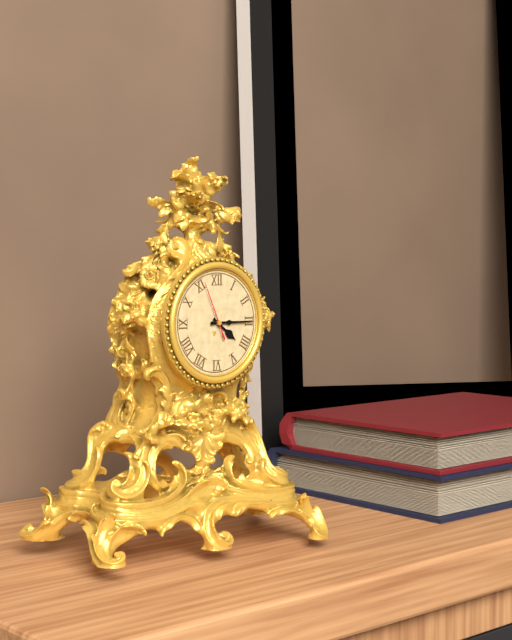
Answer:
4,15,56
